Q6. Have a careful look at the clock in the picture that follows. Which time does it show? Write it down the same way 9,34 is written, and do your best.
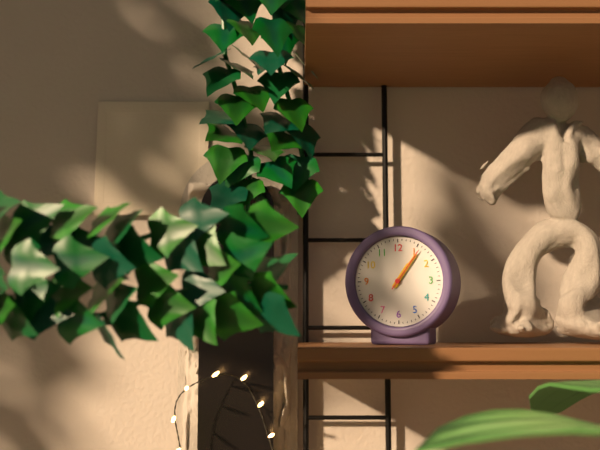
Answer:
1,06
